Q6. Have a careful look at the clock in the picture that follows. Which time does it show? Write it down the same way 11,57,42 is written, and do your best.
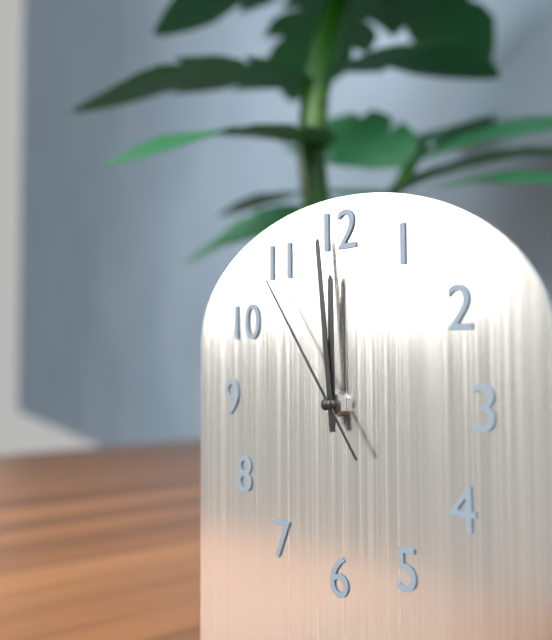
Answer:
11,59,54
